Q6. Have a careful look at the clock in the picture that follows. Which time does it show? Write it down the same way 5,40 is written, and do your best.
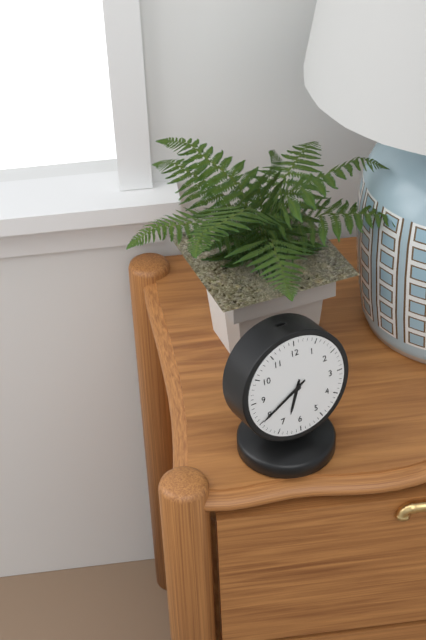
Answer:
6,40
